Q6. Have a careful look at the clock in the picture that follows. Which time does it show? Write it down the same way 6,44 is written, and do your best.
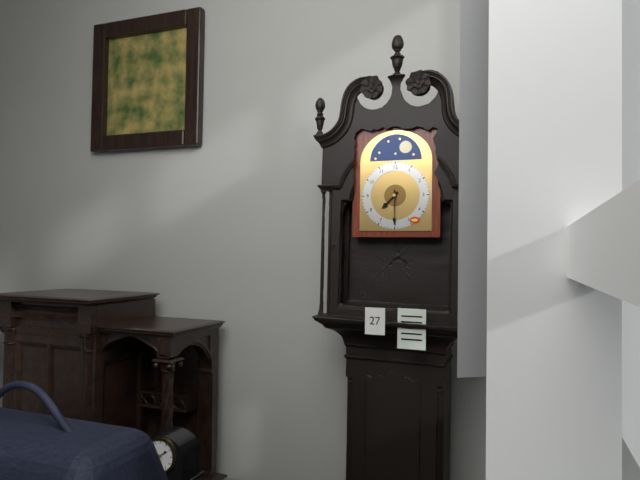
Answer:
7,30
